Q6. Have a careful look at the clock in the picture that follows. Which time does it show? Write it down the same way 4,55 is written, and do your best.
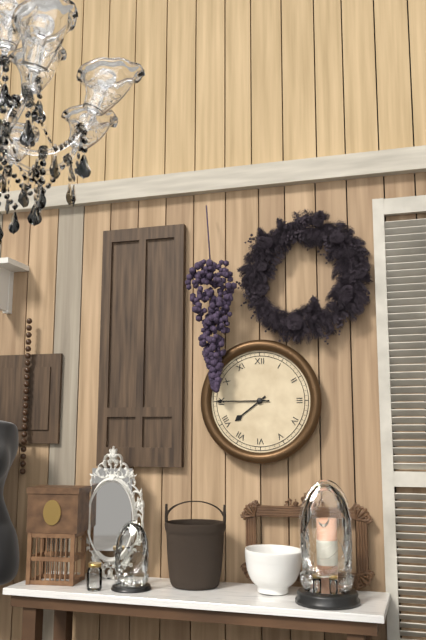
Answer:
7,45
